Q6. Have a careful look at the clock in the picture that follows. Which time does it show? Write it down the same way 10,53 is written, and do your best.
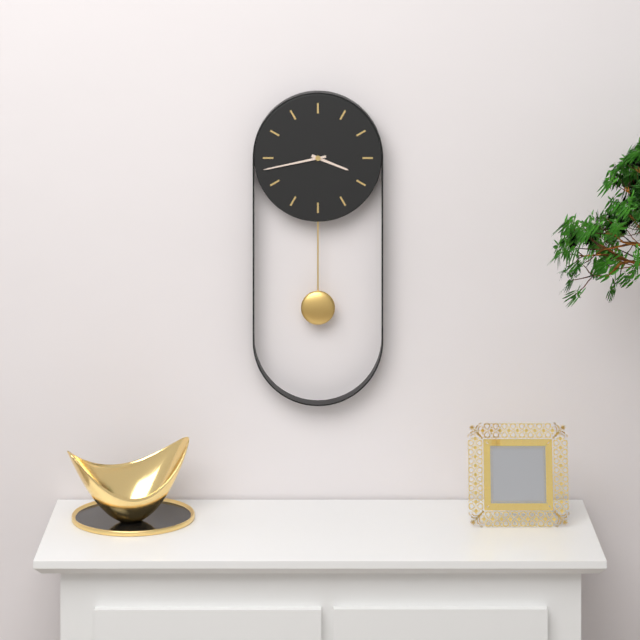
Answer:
3,43
